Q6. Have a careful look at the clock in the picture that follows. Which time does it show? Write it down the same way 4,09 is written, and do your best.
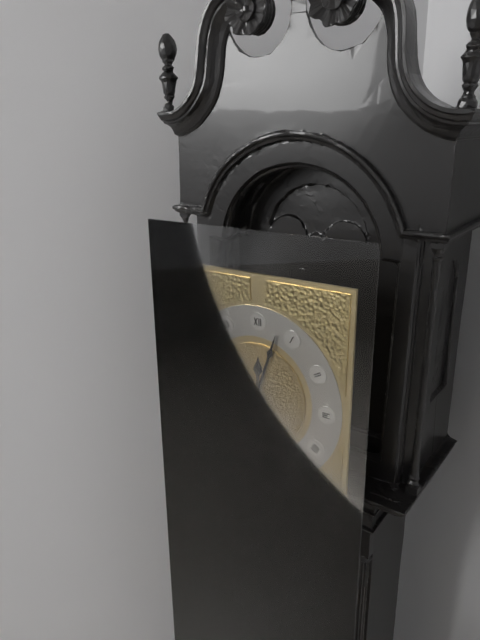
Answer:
12,03
